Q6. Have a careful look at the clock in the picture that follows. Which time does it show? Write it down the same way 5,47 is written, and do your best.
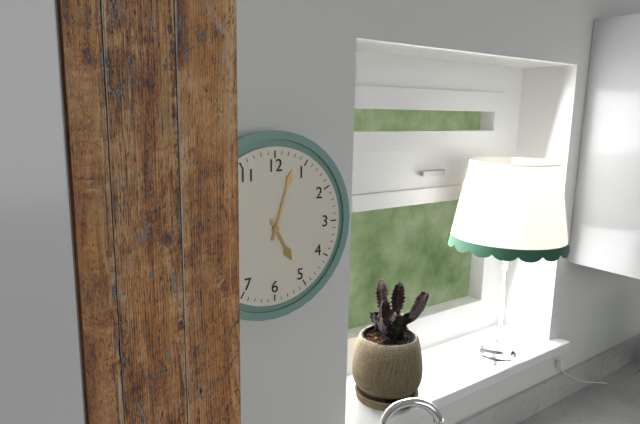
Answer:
5,03
